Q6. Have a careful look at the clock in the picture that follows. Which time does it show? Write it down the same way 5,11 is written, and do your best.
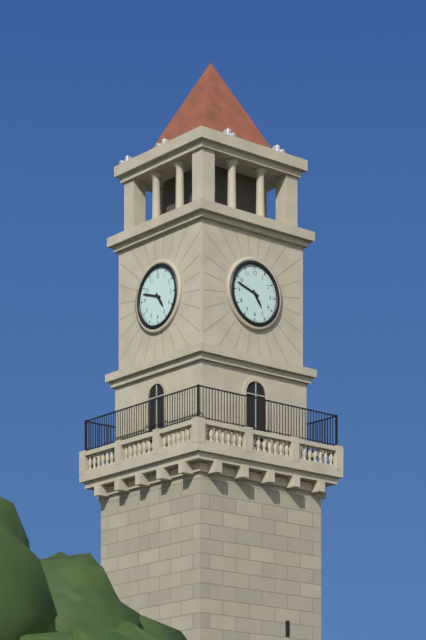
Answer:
4,48
